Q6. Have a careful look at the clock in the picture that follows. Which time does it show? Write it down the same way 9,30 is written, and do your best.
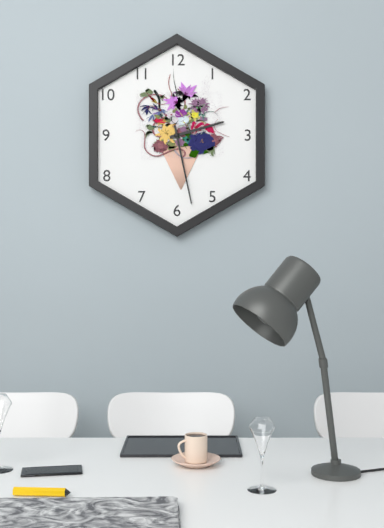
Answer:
2,28
